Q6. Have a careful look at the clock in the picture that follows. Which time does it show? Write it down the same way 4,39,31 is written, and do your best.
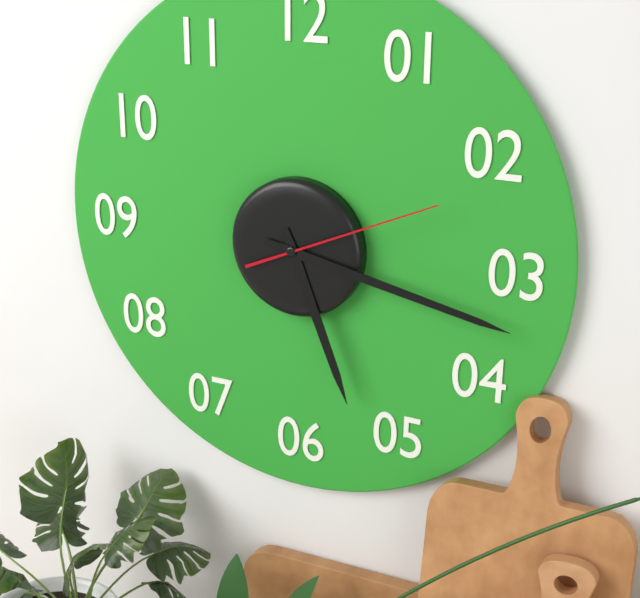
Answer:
5,17,11
